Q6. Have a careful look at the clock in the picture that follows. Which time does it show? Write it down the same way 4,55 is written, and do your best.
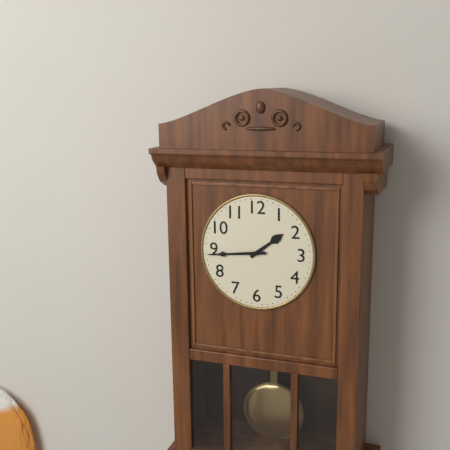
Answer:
1,44
